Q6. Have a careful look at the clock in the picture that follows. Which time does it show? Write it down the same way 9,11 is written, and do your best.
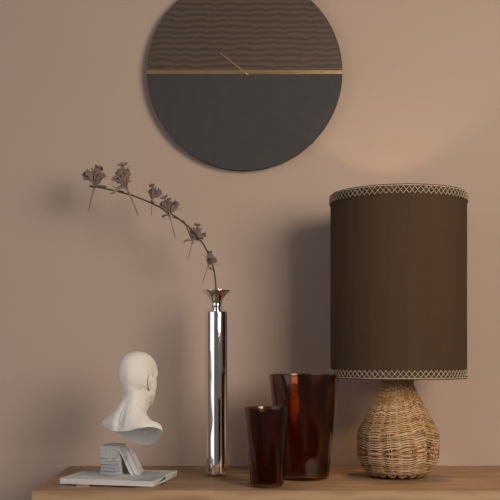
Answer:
10,15
